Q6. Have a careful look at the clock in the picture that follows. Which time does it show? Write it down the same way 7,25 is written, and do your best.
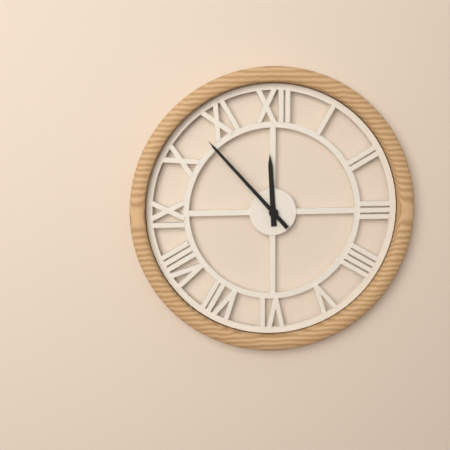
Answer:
11,53
